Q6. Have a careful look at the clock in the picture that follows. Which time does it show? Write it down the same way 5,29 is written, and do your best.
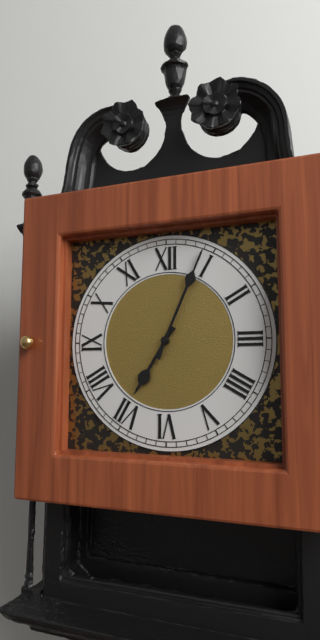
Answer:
7,04
